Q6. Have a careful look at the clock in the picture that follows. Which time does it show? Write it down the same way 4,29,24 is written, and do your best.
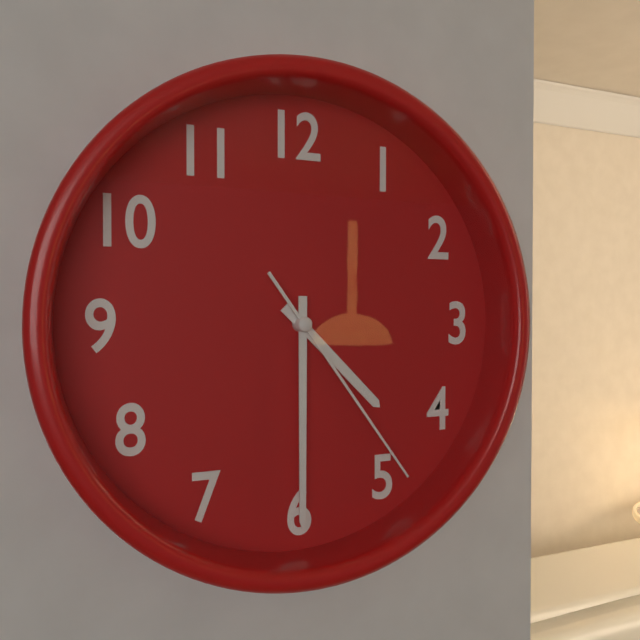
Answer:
4,30,24
